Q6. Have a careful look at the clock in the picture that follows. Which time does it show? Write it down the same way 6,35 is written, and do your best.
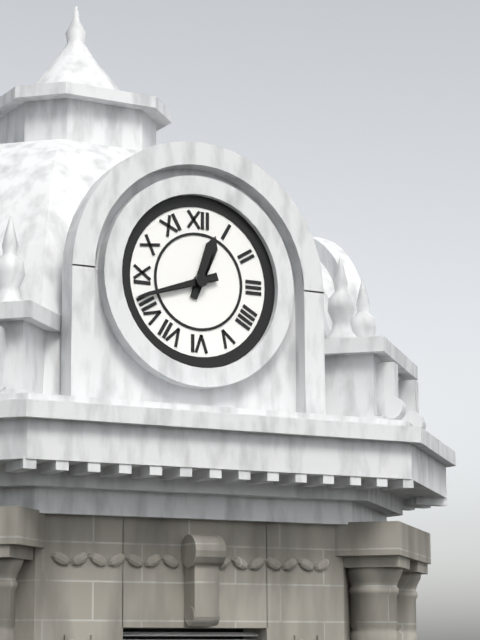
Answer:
12,42
